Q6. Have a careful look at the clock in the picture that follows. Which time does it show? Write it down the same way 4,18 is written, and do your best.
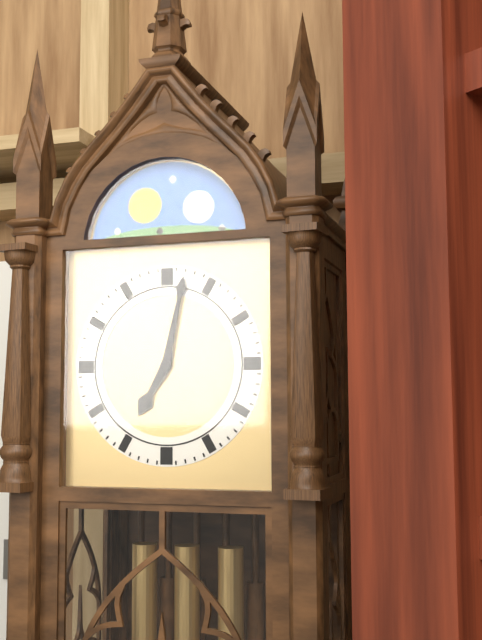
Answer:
7,02
